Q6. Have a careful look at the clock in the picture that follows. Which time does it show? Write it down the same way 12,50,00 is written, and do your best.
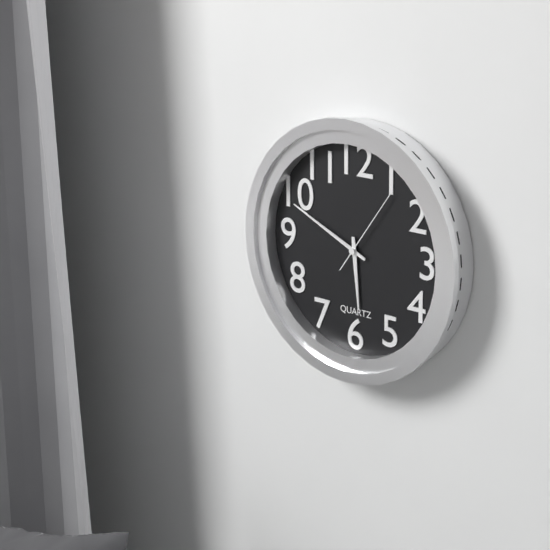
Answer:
5,49,06
